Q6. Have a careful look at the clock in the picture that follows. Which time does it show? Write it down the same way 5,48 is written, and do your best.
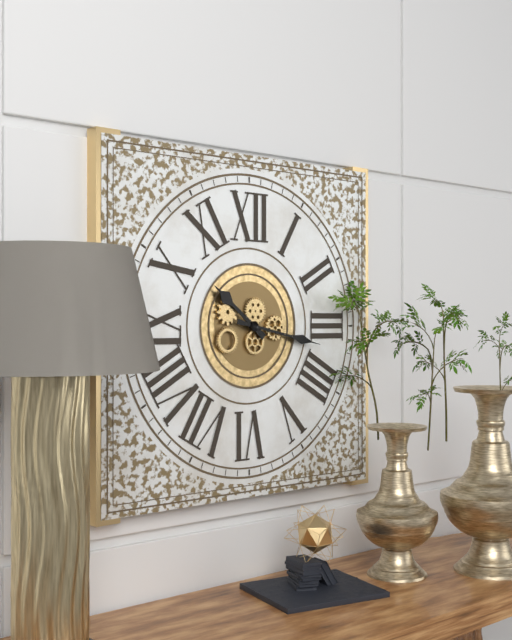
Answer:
10,17
